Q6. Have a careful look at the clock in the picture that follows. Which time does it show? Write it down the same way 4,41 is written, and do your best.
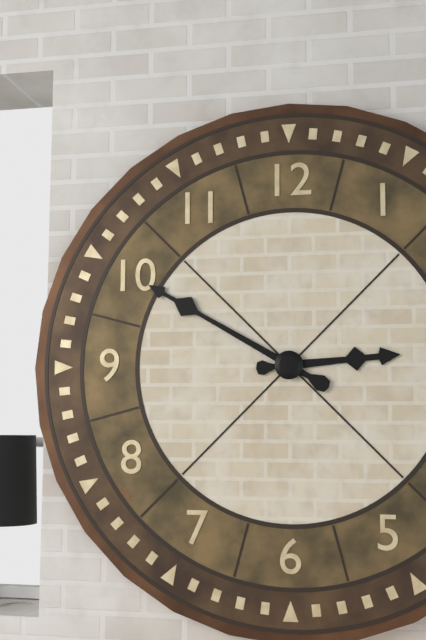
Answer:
2,50
